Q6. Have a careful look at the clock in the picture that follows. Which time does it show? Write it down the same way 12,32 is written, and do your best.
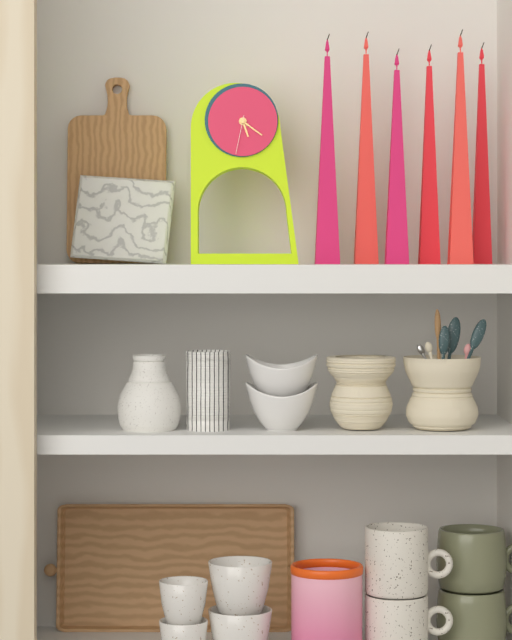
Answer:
5,21
